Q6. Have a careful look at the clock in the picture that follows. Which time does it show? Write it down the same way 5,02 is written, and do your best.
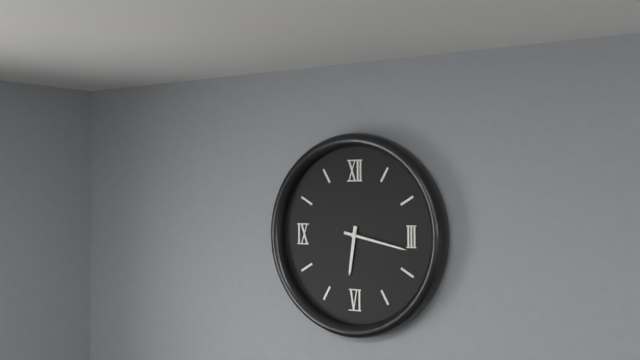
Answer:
6,17
